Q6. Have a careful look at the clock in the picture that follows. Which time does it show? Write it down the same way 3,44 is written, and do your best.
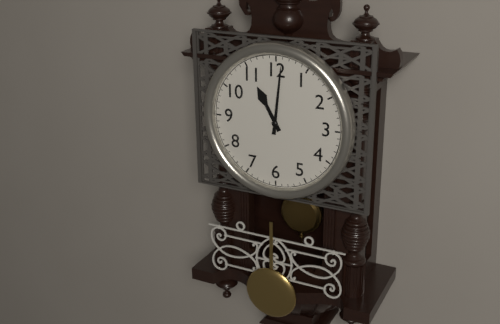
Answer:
11,01
